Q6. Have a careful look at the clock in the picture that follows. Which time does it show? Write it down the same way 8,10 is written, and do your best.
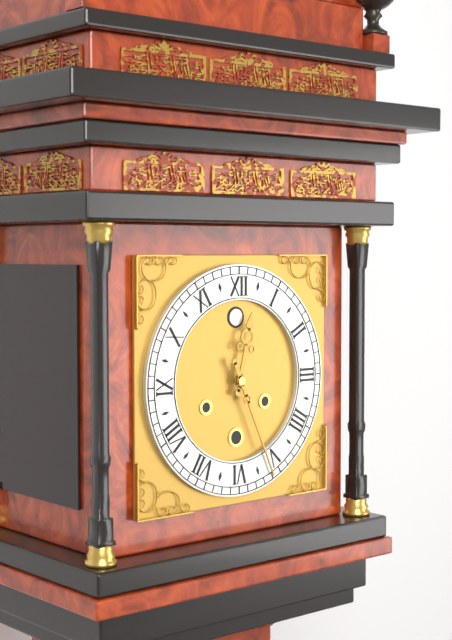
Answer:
12,26
